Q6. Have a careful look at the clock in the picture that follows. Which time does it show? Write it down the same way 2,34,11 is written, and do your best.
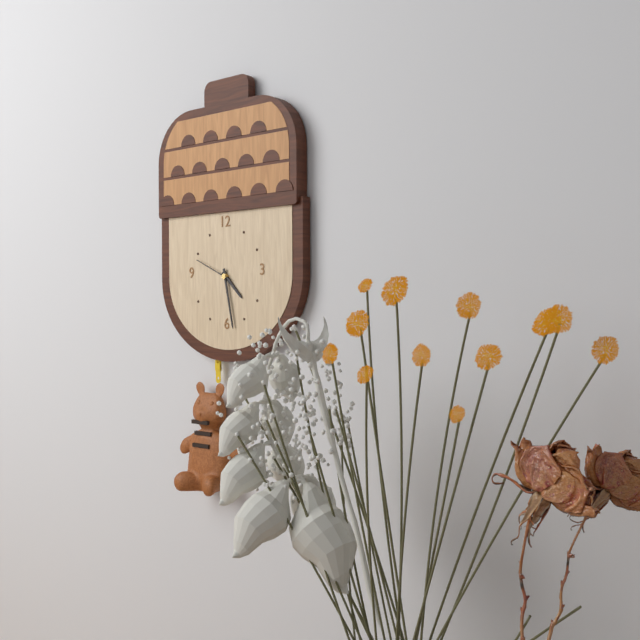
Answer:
4,28,49
